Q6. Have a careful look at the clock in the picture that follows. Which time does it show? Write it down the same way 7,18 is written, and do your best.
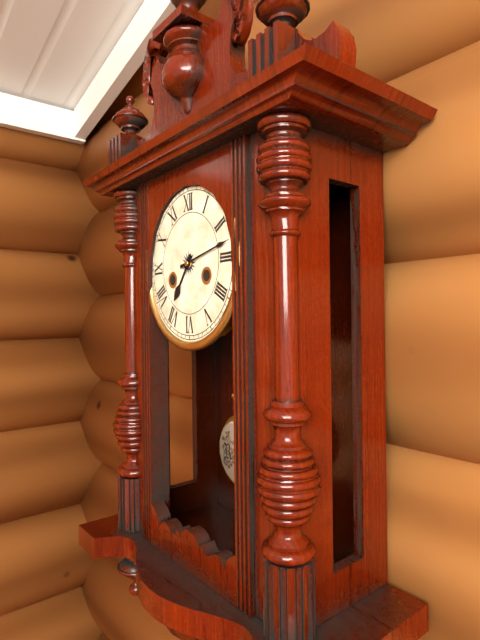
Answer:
7,13
